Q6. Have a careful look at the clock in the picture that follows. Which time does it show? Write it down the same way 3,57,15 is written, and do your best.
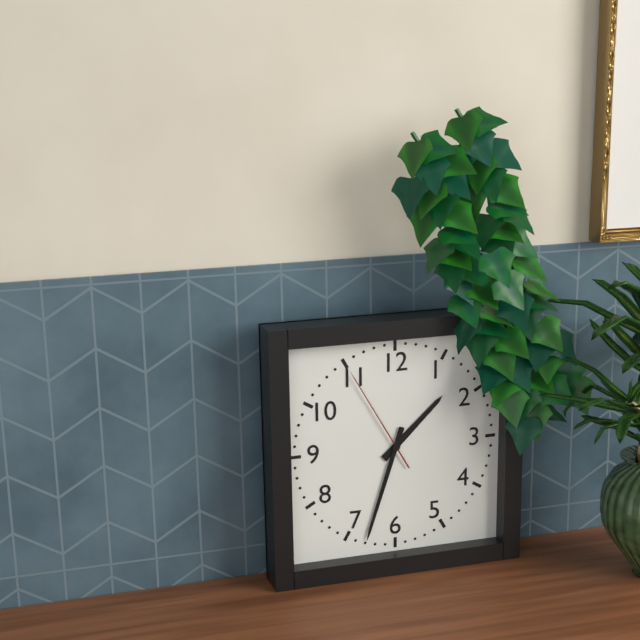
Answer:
1,33,55
